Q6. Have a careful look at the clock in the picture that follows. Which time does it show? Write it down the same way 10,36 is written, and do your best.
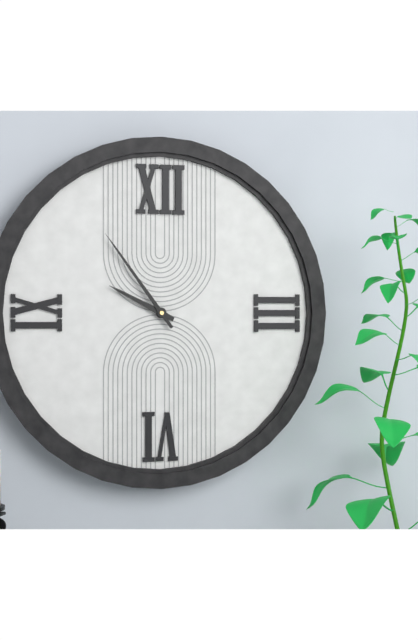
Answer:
9,54
